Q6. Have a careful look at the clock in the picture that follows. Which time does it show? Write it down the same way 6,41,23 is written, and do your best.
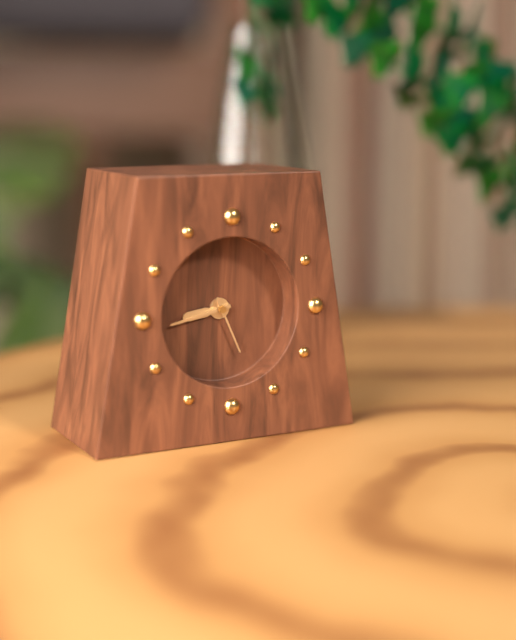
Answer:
8,43,26
